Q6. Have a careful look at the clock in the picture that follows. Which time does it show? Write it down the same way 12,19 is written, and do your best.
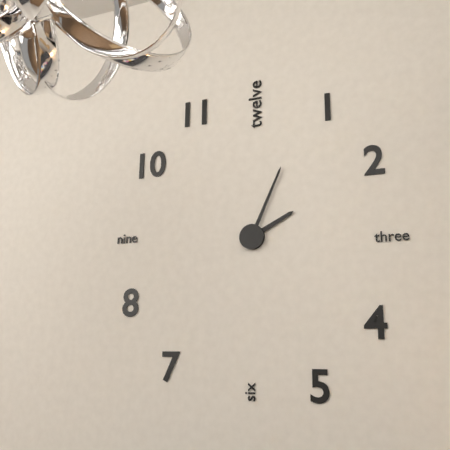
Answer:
2,04
